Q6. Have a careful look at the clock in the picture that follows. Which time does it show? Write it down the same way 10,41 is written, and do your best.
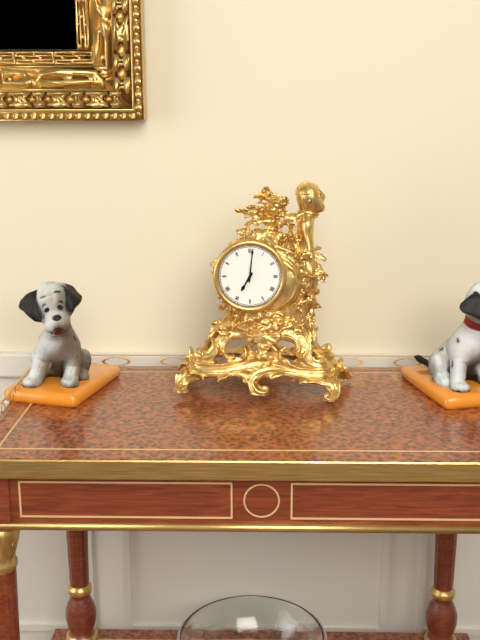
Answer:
7,01
